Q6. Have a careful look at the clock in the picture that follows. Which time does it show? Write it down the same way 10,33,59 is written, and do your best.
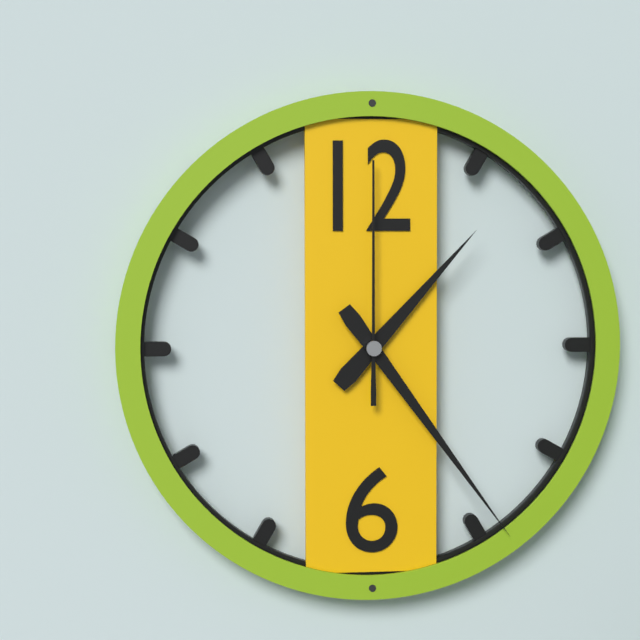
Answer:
1,24,00
